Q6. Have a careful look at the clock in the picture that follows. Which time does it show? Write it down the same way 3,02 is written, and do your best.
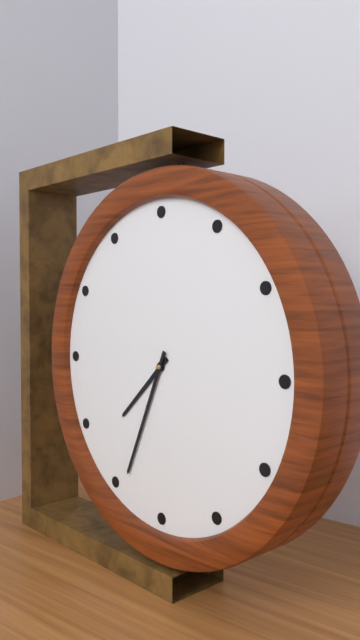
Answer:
7,34
